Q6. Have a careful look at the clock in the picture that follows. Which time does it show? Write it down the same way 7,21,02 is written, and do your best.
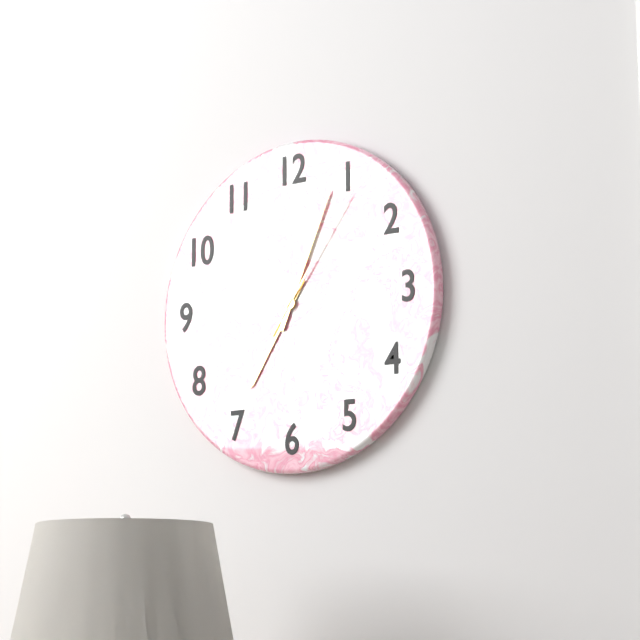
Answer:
7,04,06
